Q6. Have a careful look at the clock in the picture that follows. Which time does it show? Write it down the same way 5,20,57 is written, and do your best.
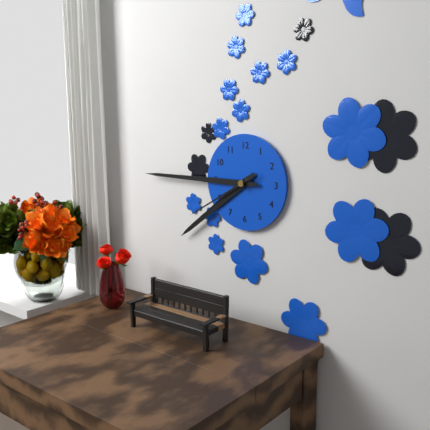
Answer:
7,45,40
